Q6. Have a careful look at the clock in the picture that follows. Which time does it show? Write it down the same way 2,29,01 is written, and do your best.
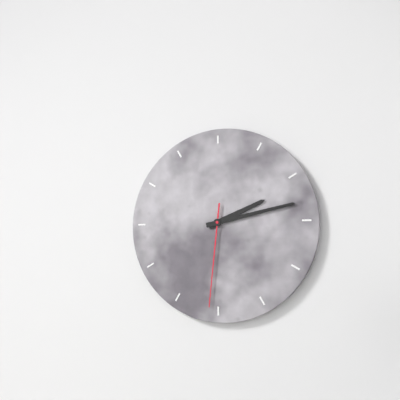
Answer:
2,13,31
